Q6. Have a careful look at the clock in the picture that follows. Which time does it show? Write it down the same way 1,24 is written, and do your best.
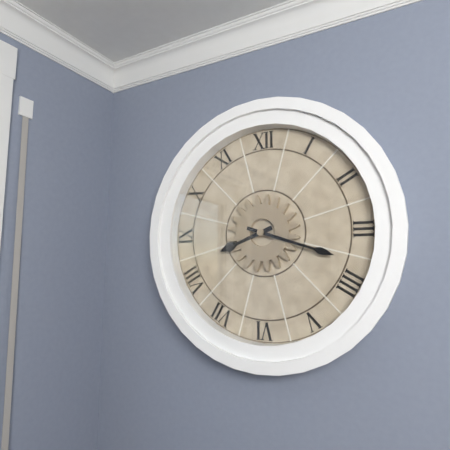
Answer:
8,18
